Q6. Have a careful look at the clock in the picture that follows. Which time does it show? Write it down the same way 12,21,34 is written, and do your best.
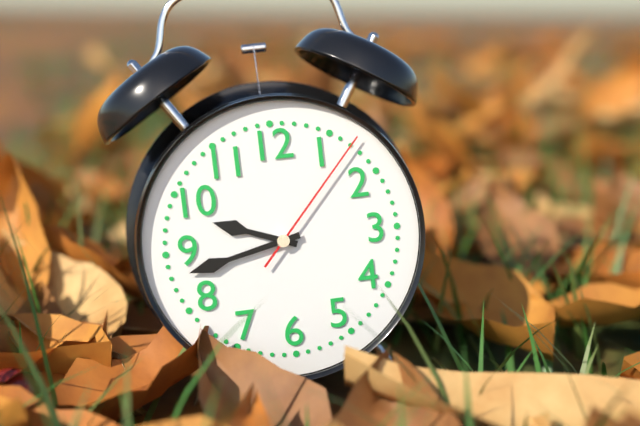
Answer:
9,43,07
